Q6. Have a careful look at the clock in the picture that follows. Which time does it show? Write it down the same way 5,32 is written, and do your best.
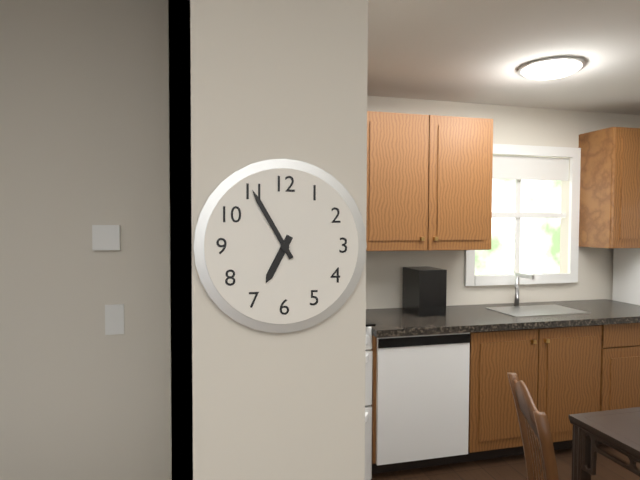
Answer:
6,55
